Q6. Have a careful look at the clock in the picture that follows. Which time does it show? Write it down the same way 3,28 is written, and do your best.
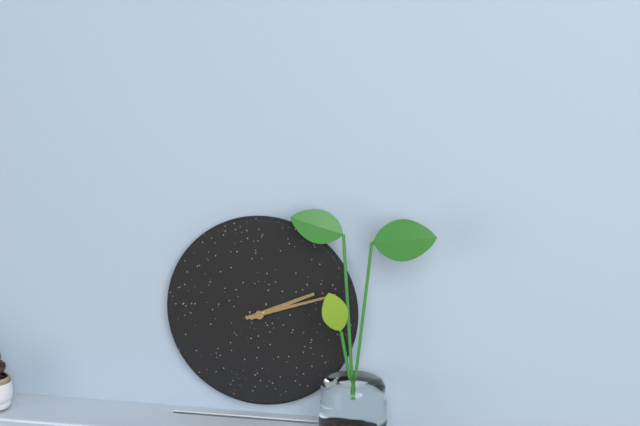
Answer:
2,12
